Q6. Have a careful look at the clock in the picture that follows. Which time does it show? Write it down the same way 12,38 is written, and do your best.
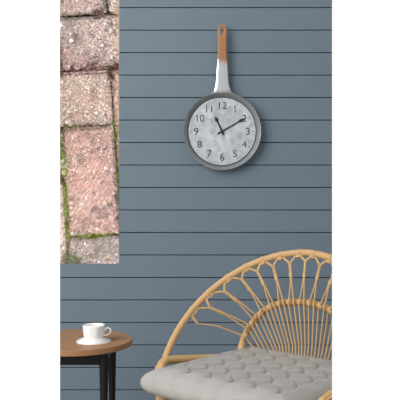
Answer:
11,10
